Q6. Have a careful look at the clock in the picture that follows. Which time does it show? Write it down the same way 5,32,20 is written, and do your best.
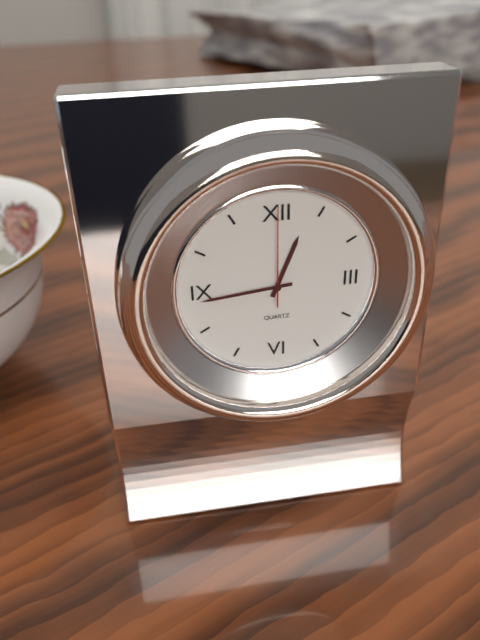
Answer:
12,44,00
